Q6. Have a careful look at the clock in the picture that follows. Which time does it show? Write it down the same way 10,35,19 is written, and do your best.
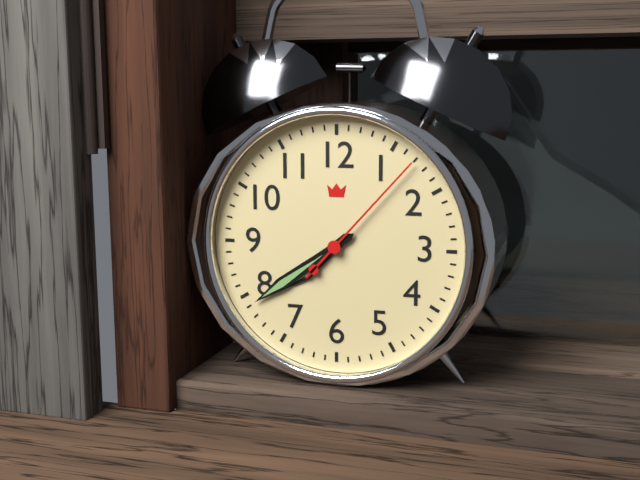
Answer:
7,39,07
